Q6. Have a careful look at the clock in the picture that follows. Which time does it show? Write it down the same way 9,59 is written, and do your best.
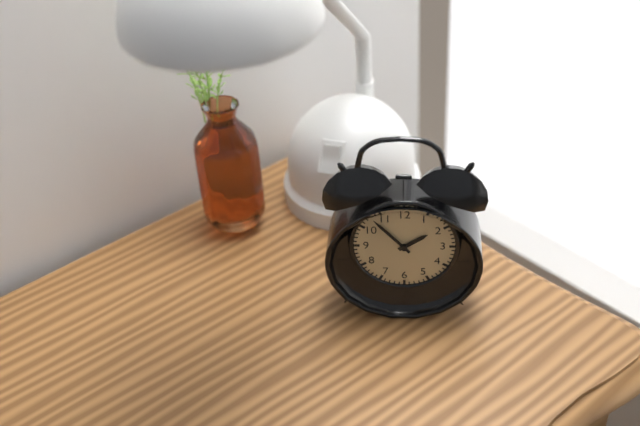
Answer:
1,53
